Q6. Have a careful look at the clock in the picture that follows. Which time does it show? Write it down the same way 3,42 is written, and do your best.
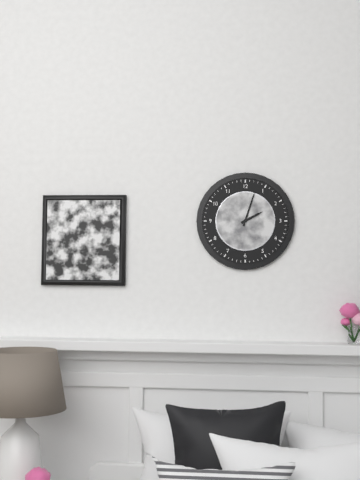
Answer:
2,03
